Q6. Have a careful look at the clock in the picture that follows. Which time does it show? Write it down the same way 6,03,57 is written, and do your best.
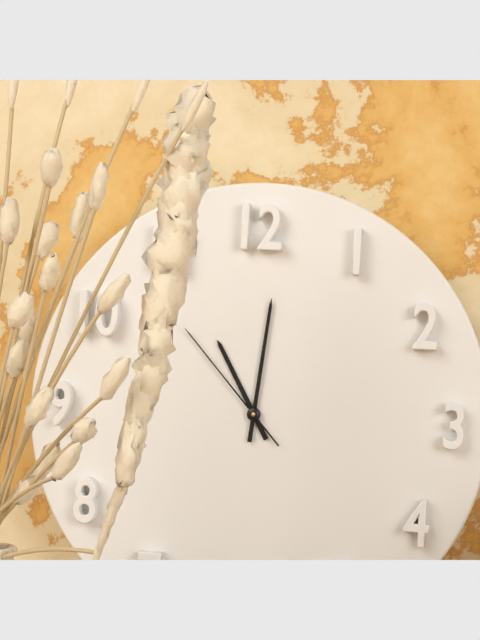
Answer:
11,01,53
